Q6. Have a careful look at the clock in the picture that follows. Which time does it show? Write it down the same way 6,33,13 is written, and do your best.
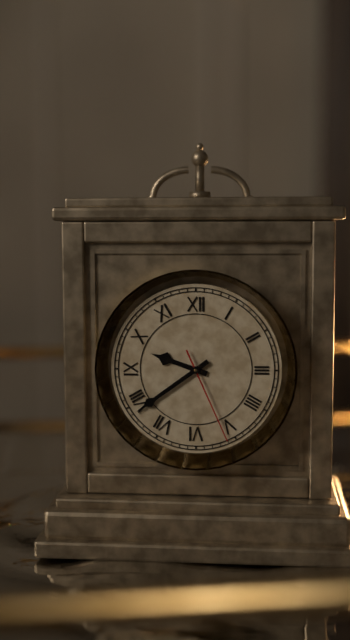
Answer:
9,39,26
